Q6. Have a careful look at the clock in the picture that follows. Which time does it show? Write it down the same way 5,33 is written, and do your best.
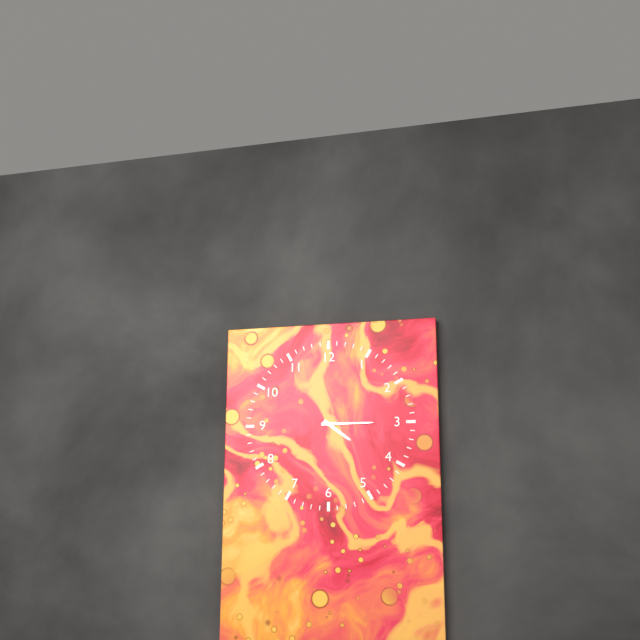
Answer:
4,15
